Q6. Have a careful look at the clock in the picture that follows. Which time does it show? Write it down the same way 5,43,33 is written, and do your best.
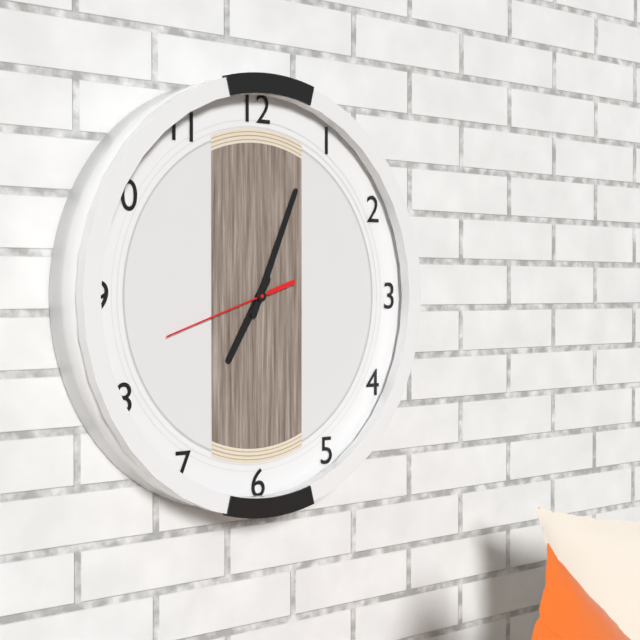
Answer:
7,04,42
